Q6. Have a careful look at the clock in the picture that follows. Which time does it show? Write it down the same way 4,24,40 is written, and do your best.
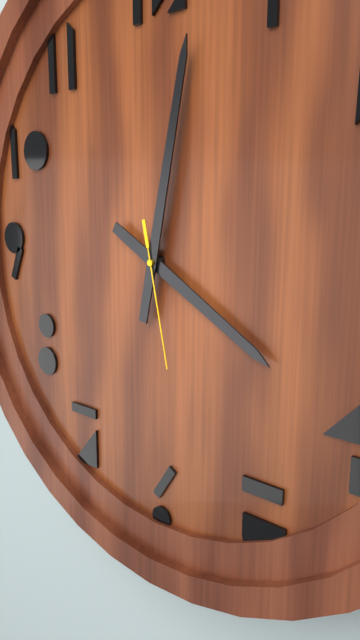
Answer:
4,02,28
